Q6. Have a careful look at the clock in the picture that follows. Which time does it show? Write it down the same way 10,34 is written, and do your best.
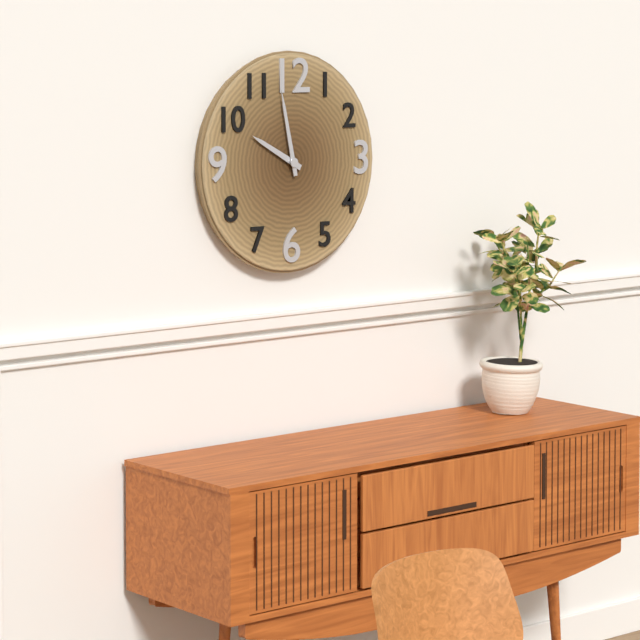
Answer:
9,58
